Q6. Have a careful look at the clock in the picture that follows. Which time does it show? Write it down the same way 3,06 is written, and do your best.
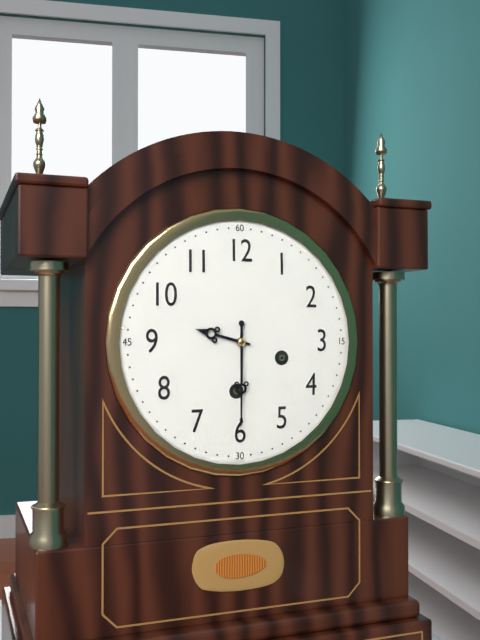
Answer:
9,30
